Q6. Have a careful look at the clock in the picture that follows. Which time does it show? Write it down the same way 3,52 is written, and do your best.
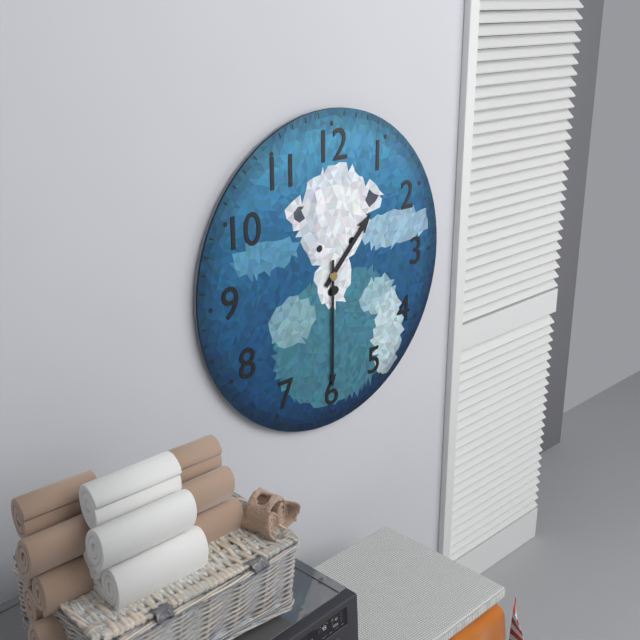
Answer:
1,30
